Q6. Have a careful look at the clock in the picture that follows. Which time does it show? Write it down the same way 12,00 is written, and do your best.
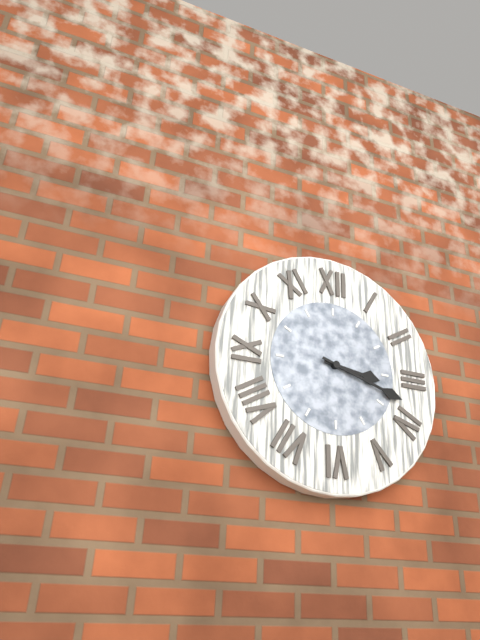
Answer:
3,18
